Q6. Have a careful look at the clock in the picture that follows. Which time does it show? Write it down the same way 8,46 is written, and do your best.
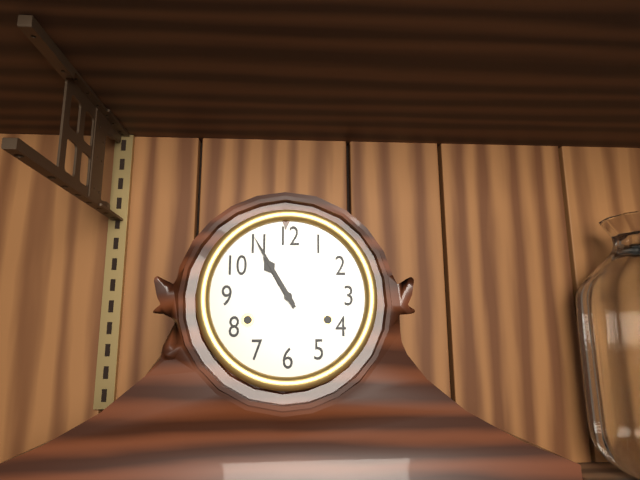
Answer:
10,55
